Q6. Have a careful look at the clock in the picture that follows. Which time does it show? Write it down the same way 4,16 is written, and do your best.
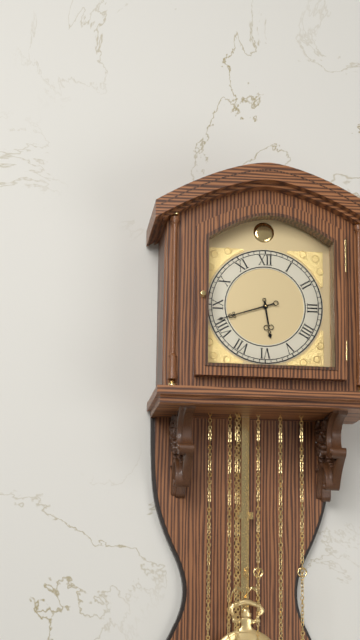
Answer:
5,42
